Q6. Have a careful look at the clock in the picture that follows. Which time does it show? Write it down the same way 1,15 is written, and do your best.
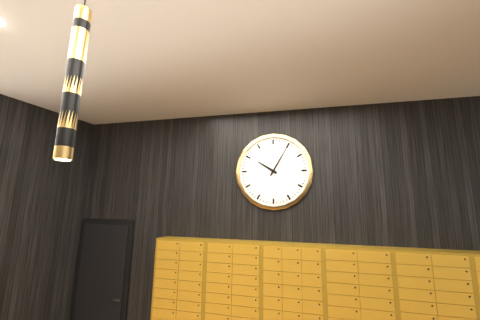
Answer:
10,05
